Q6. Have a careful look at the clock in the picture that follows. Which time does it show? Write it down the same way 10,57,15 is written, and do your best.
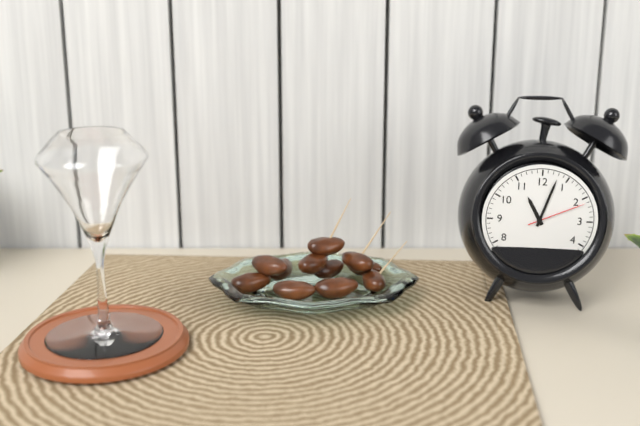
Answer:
11,03,11
